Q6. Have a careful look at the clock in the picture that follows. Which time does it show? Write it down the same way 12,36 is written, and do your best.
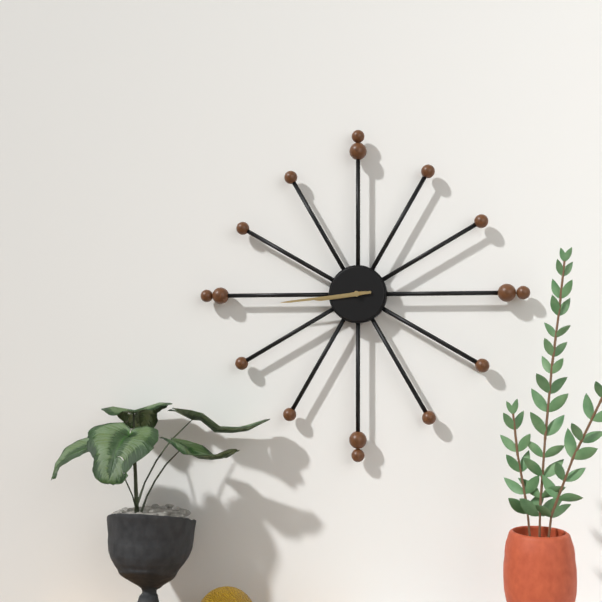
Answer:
8,44
